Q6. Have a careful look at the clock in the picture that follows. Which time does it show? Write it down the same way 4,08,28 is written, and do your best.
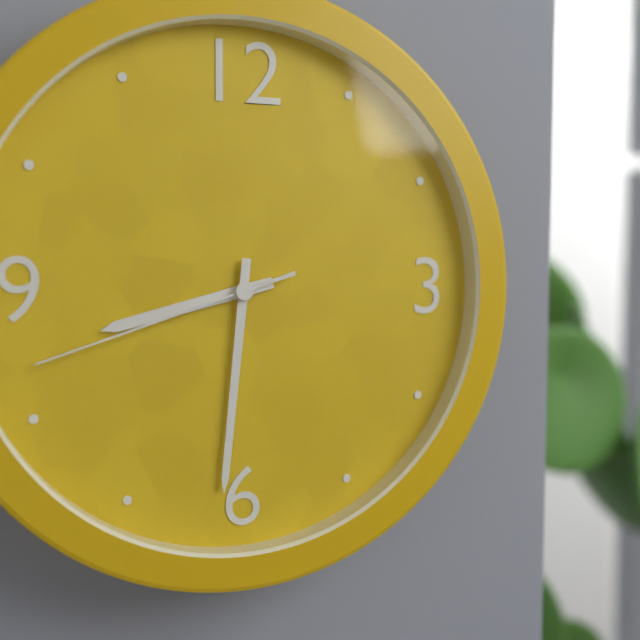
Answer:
8,31,42
